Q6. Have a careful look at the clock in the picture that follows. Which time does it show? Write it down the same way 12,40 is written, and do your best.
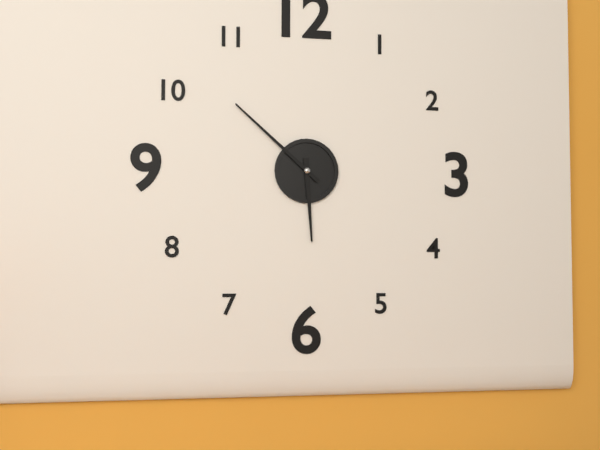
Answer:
5,52
